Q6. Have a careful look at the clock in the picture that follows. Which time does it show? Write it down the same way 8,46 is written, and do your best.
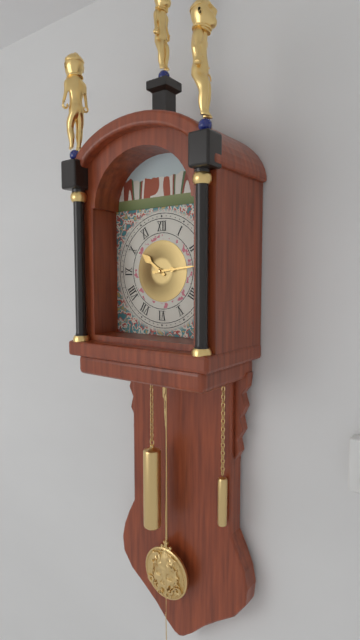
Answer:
10,14
